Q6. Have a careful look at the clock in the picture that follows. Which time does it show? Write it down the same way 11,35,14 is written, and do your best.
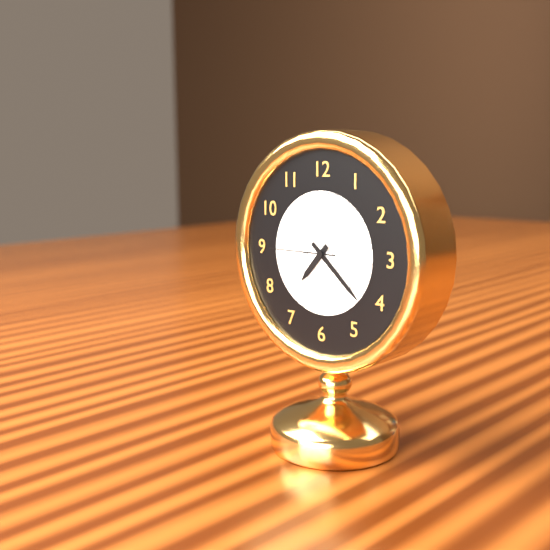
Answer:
7,22,45
